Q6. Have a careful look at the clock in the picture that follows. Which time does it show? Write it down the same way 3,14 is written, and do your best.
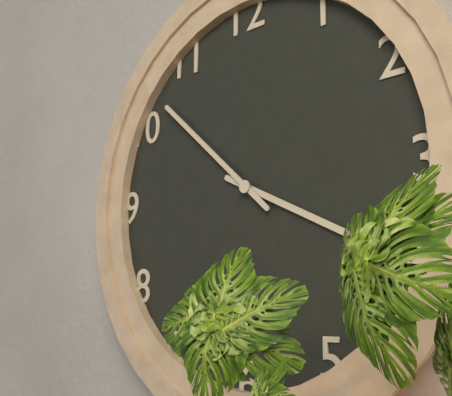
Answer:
3,52
